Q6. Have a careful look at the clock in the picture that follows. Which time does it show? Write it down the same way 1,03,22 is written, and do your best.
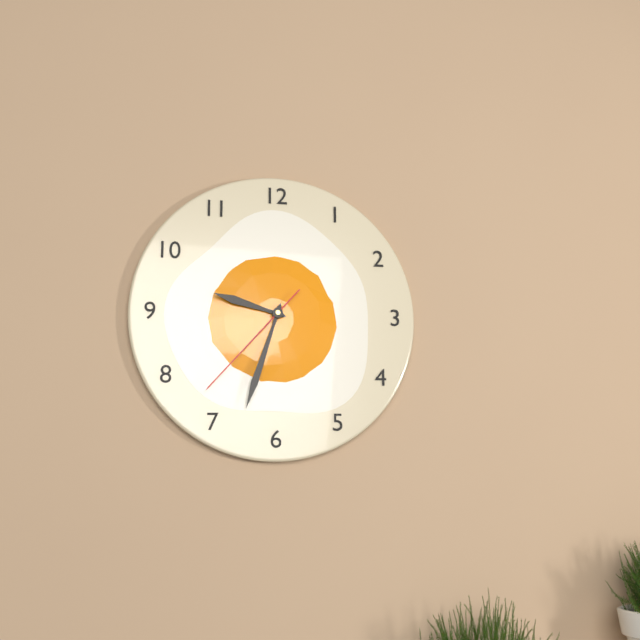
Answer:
9,33,37
